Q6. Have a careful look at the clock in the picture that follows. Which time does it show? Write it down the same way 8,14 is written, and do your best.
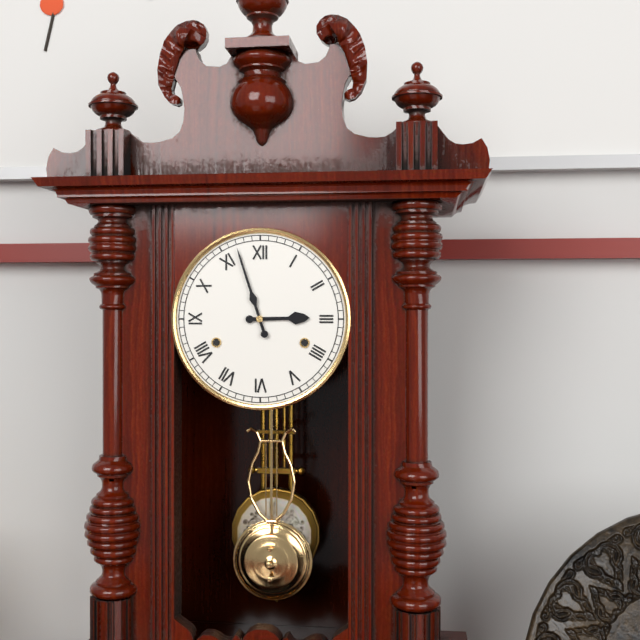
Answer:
2,57
